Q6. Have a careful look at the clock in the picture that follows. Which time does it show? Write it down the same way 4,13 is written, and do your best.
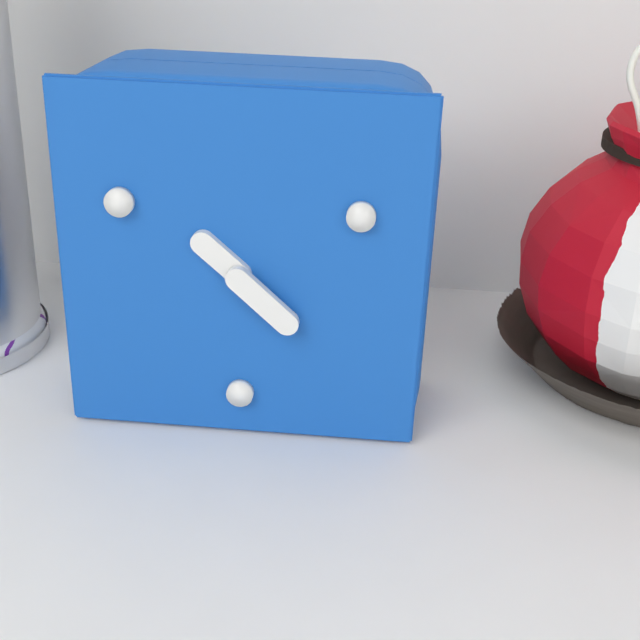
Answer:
10,22
